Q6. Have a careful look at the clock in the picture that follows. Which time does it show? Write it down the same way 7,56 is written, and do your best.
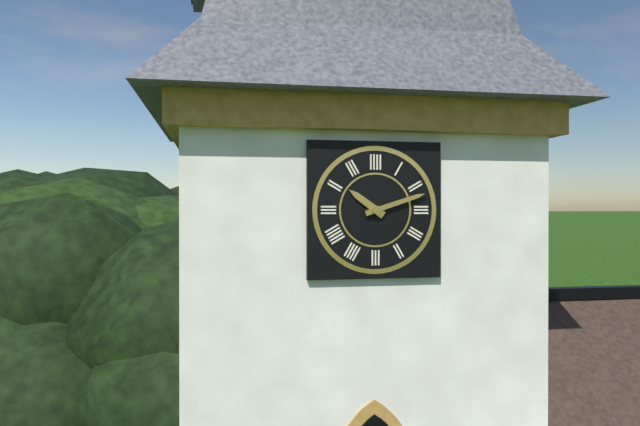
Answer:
10,12
